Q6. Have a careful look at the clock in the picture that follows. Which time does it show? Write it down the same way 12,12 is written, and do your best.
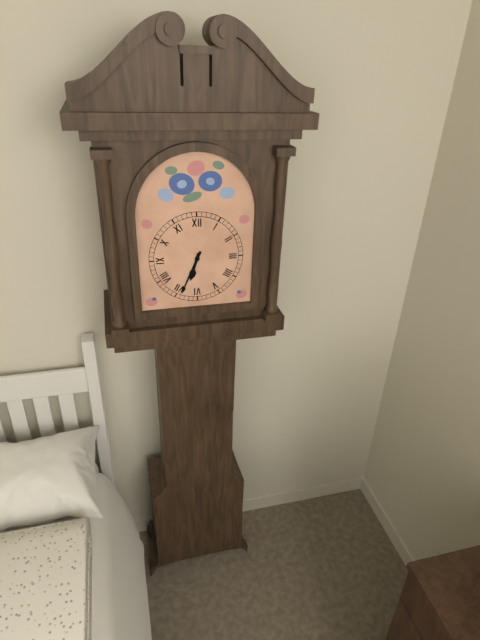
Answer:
6,34
